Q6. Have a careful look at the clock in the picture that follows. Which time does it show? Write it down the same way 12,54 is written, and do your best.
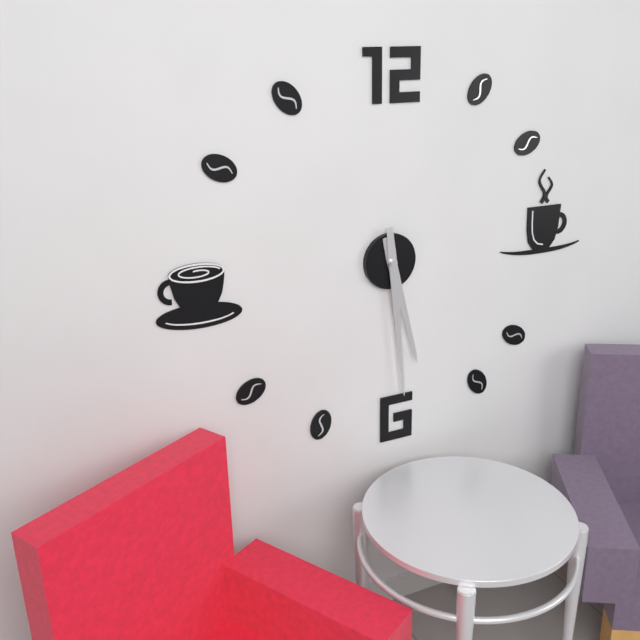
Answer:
5,29
